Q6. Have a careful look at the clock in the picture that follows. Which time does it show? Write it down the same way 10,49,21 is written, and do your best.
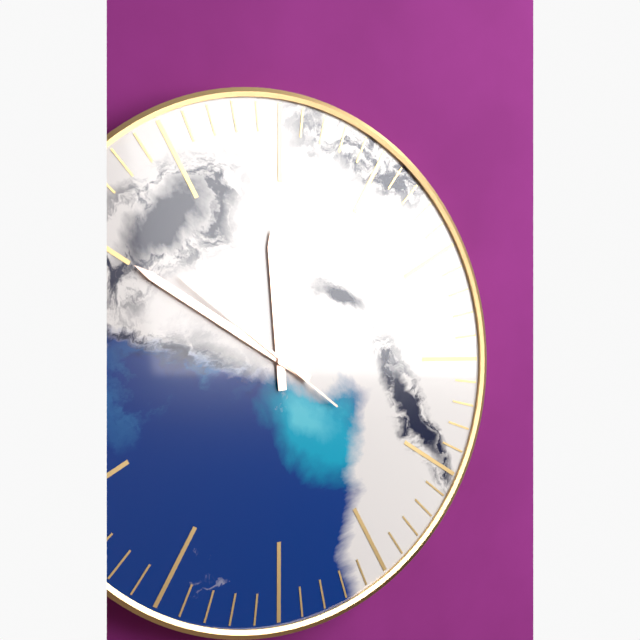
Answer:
11,50,51
